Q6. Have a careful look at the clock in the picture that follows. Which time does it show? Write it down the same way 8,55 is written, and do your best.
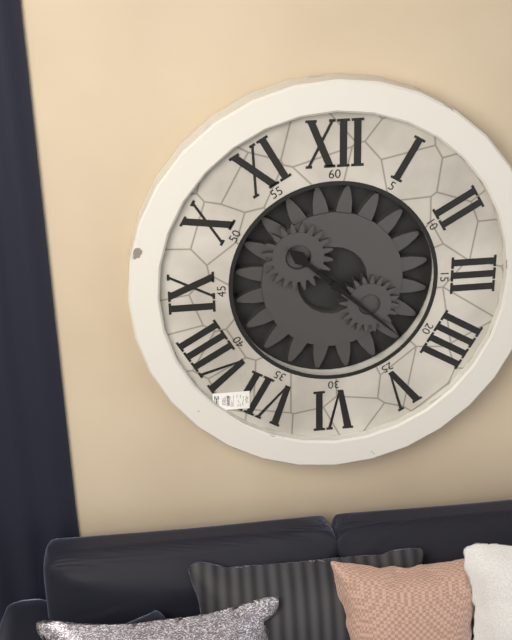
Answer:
10,22
